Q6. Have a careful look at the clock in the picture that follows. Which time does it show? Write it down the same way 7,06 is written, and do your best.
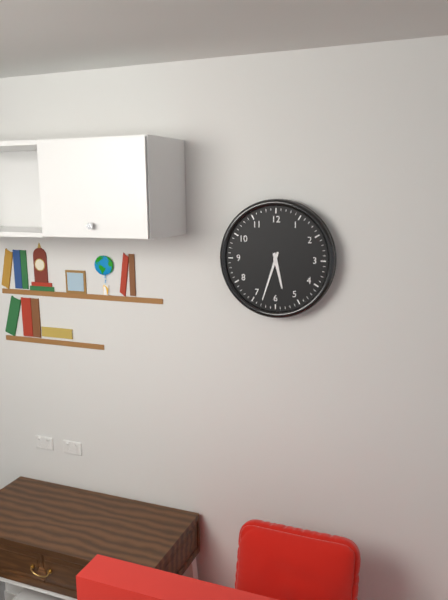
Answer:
5,33
